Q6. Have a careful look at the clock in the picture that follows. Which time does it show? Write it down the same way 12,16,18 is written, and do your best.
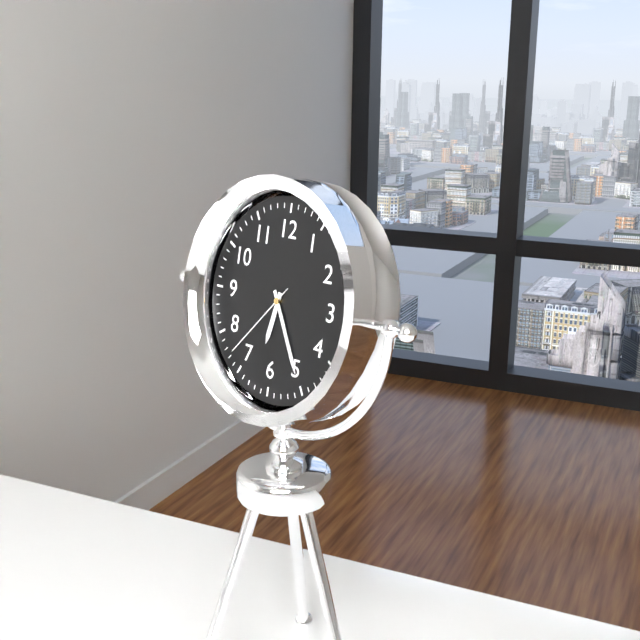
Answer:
6,25,37
